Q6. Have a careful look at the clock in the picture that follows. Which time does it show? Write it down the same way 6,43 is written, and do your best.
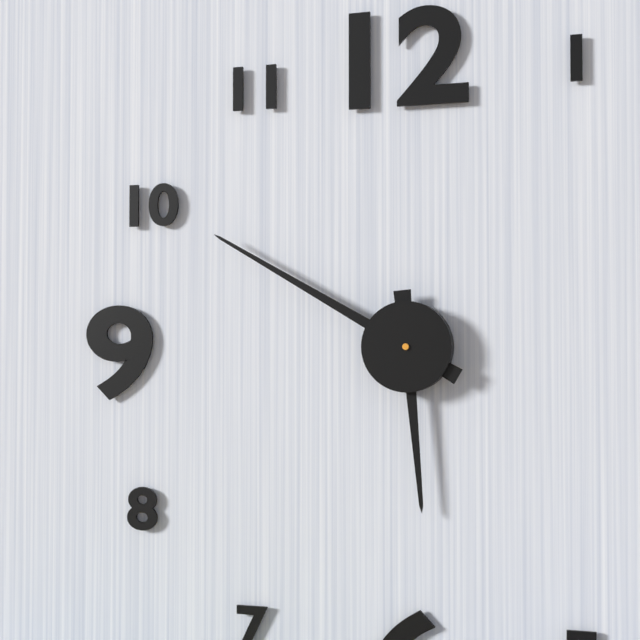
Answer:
5,50
